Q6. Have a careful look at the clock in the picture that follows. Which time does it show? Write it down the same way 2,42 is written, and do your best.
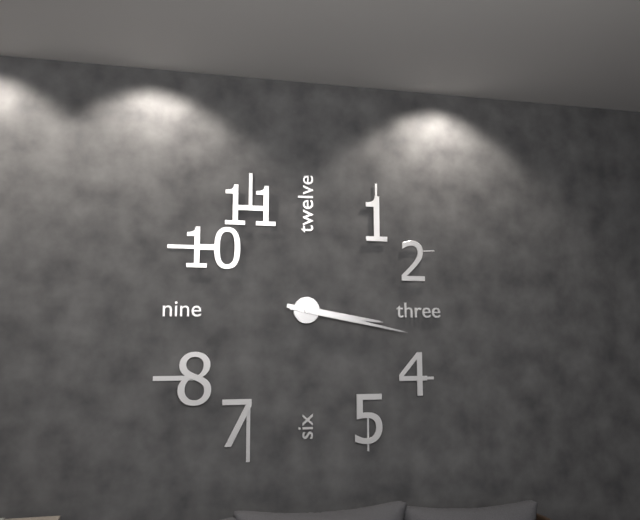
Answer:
3,17
